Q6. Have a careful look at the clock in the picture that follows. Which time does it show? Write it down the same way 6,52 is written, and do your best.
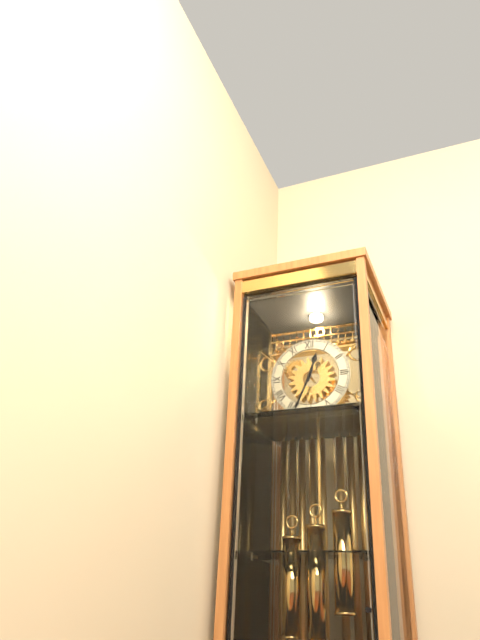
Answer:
12,34
